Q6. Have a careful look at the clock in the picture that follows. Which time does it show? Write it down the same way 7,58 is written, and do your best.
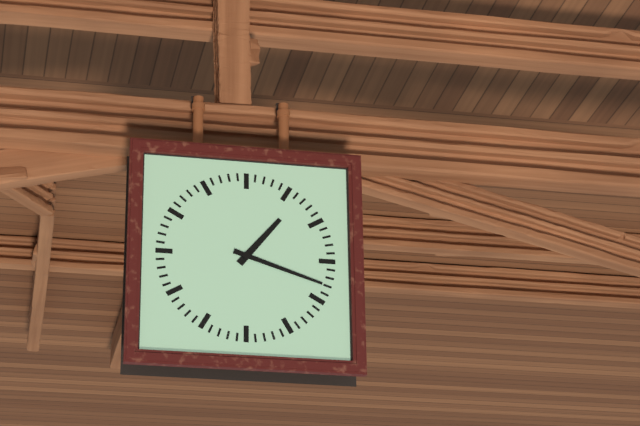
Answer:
1,18
